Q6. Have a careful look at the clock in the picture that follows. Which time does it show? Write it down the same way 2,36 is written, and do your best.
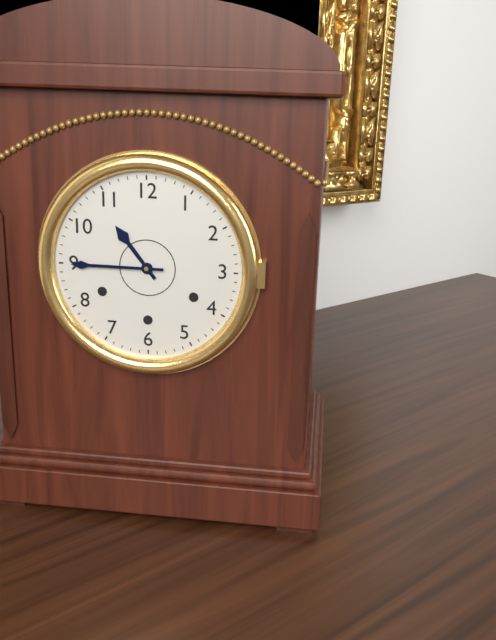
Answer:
10,45
